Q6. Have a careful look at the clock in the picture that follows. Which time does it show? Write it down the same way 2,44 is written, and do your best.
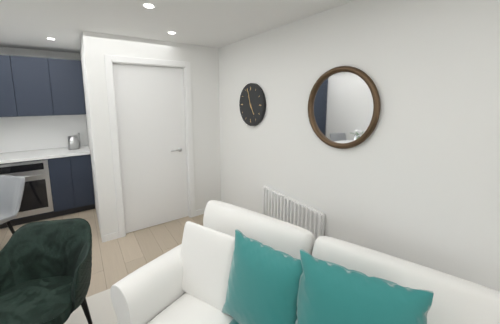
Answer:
4,57
